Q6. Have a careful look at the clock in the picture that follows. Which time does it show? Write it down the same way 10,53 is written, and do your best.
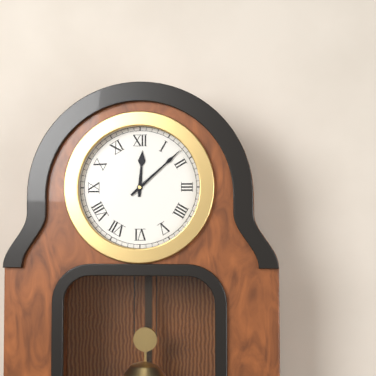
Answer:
12,08
